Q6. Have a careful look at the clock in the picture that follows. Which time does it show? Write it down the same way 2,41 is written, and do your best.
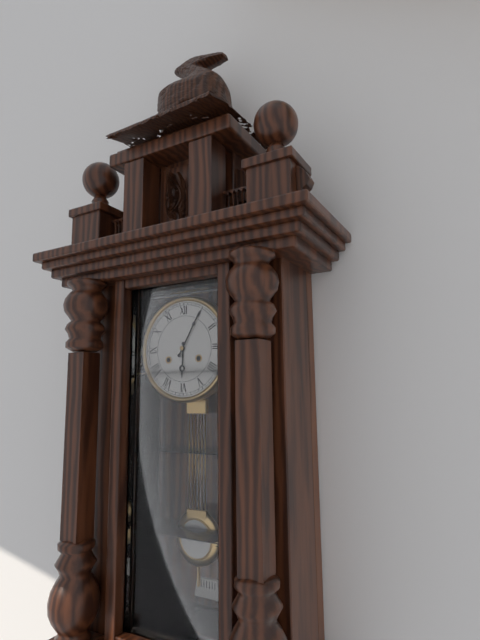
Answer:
6,05
